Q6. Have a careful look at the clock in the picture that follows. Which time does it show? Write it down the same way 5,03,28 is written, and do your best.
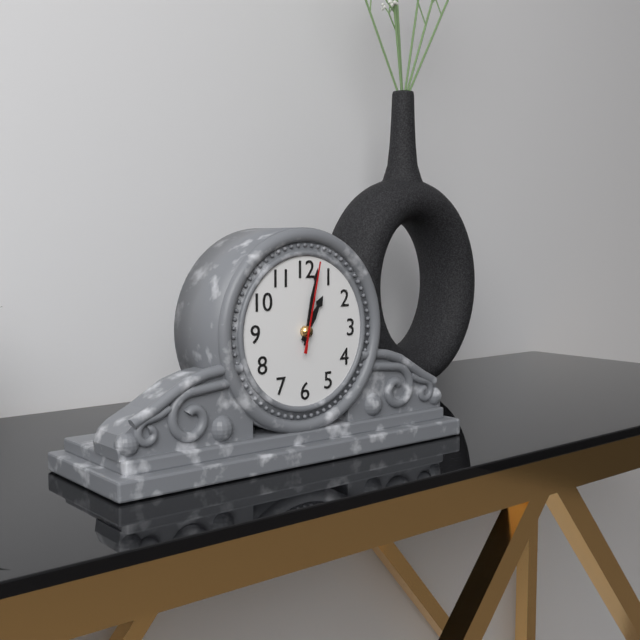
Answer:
1,02,02
